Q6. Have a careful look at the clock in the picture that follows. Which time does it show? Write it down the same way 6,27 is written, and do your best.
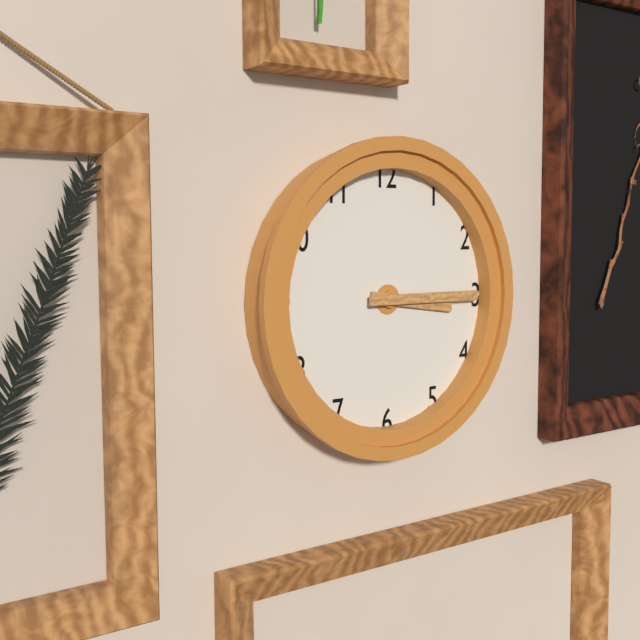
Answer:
3,15
